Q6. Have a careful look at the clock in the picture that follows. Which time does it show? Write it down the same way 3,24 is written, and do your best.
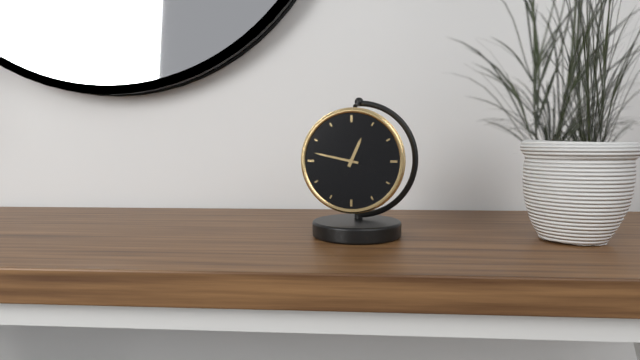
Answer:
12,47
